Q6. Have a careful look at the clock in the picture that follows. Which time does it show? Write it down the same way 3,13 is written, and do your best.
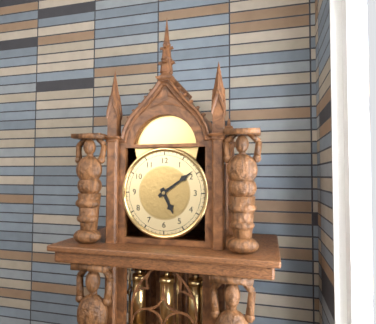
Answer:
5,09
